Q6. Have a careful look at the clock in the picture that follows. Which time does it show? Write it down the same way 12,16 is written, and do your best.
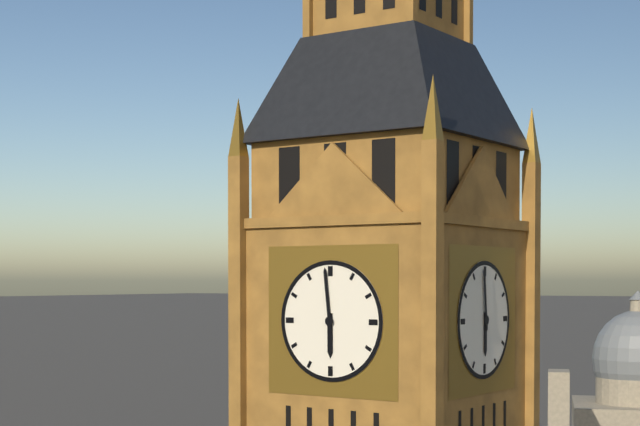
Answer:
5,59
